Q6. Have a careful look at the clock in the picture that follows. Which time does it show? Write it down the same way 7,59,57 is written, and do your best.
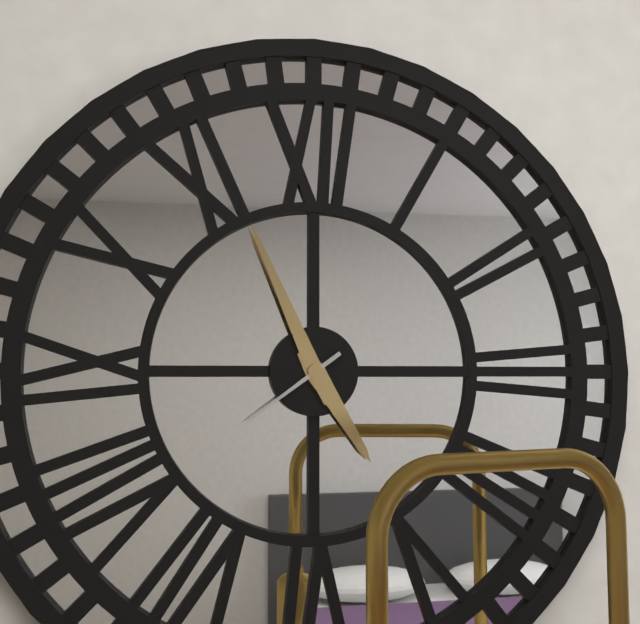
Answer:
4,56,39
